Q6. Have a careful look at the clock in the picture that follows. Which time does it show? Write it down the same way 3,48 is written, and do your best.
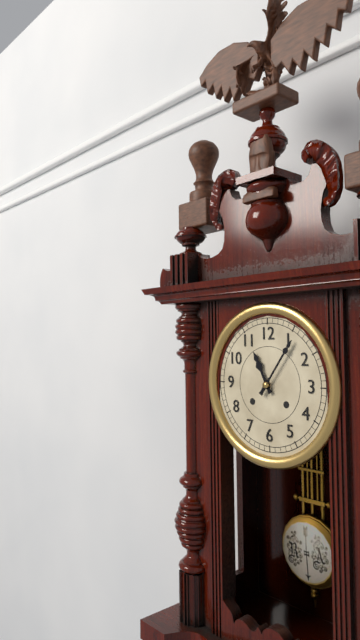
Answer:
11,06
